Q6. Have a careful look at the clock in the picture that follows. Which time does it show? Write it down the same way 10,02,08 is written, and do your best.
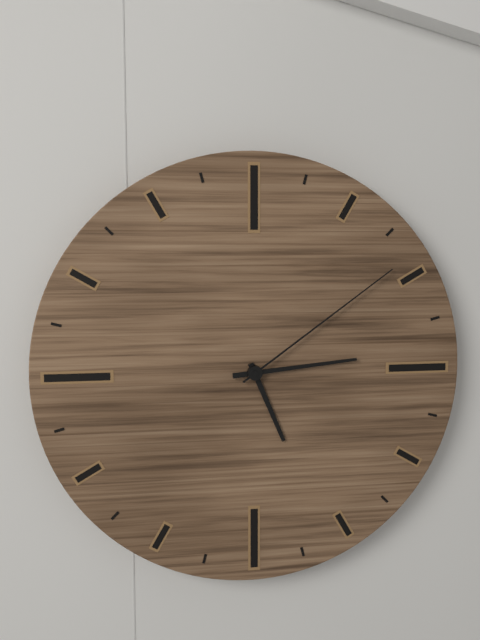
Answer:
5,14,09
